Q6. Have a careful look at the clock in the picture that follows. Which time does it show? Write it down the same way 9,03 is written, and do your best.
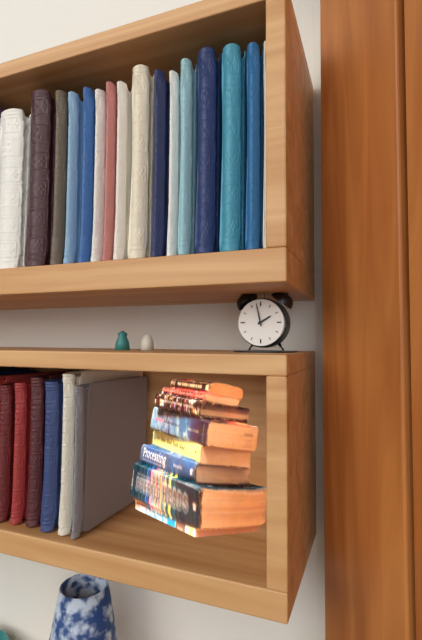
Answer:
1,58
